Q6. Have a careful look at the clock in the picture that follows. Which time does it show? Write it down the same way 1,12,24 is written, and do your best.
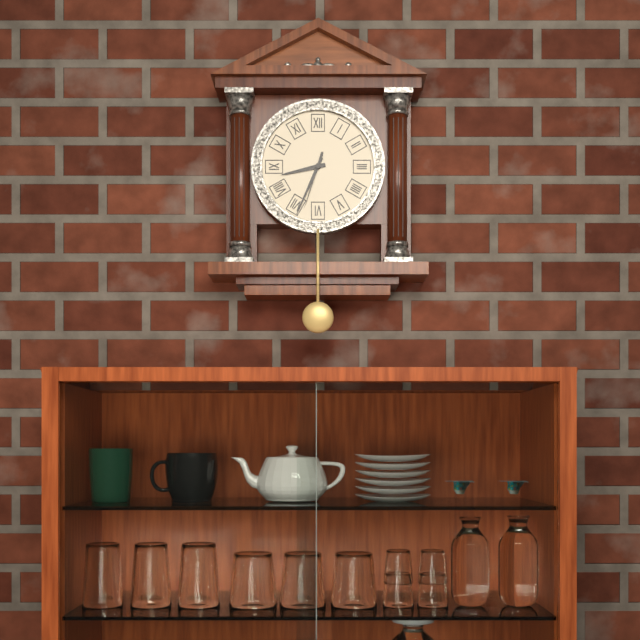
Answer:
8,34,33
